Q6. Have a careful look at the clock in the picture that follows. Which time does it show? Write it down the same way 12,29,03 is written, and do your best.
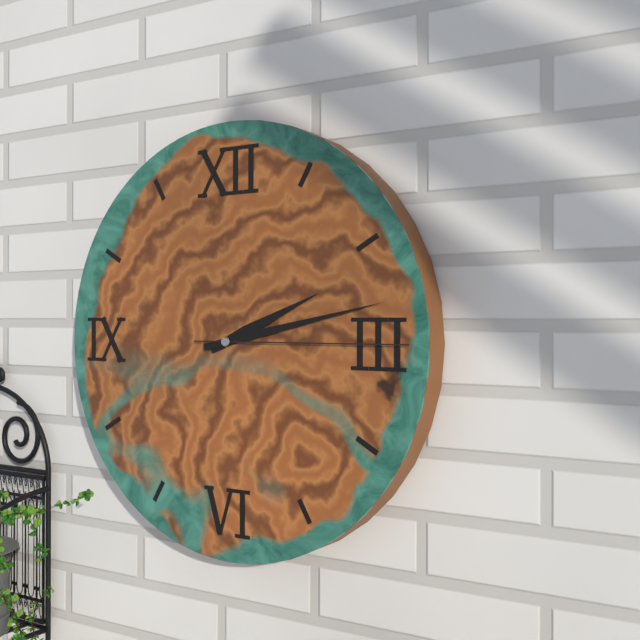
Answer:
2,13,15
